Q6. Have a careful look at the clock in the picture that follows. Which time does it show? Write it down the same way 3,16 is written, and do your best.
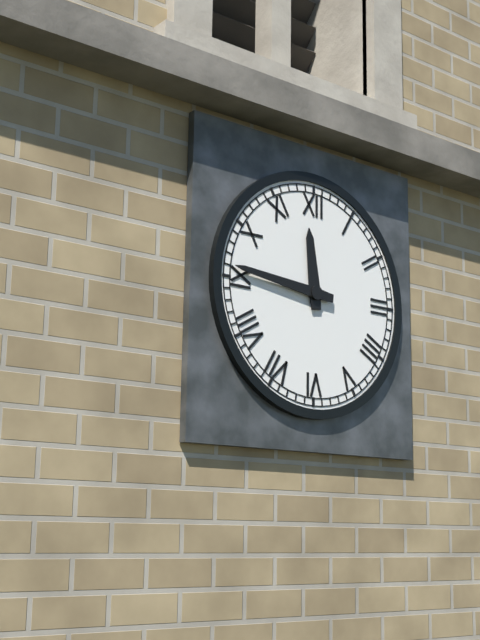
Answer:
11,46
